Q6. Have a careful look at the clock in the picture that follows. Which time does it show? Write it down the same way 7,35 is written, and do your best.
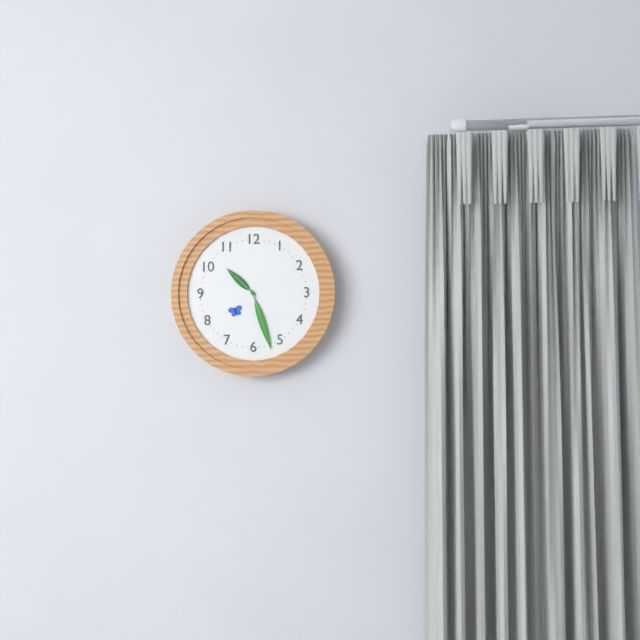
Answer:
10,27
